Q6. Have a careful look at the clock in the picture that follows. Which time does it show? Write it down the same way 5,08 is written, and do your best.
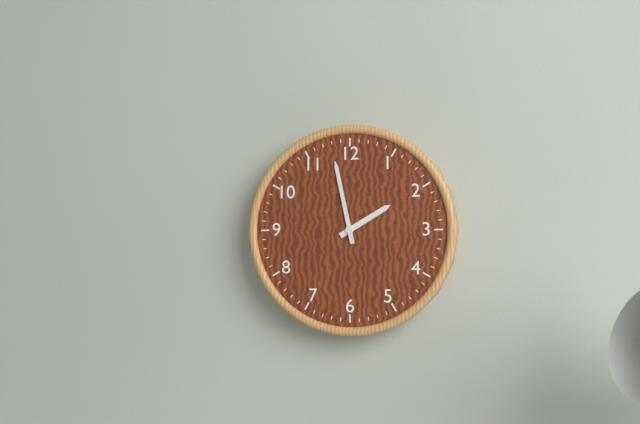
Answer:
1,58
